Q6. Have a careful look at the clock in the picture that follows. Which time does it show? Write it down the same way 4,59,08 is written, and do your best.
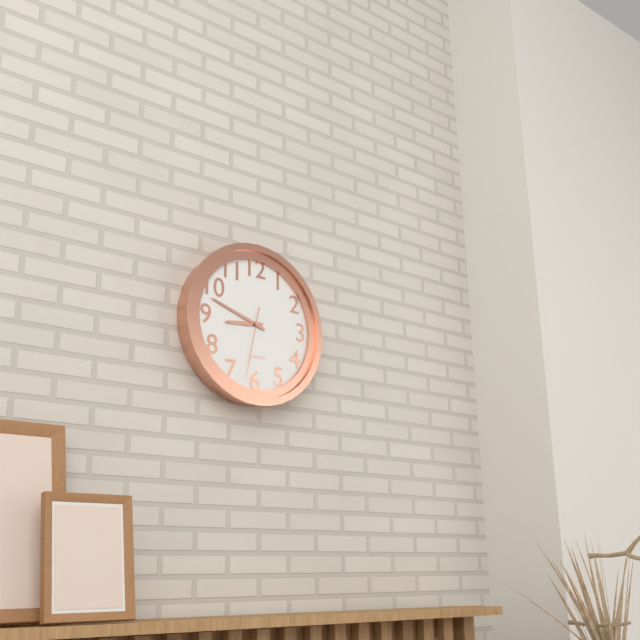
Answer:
8,48,32
